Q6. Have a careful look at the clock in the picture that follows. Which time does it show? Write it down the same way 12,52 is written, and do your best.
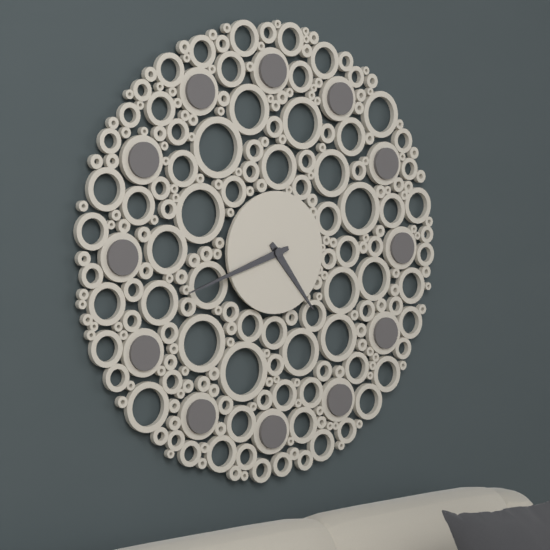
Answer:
4,42
